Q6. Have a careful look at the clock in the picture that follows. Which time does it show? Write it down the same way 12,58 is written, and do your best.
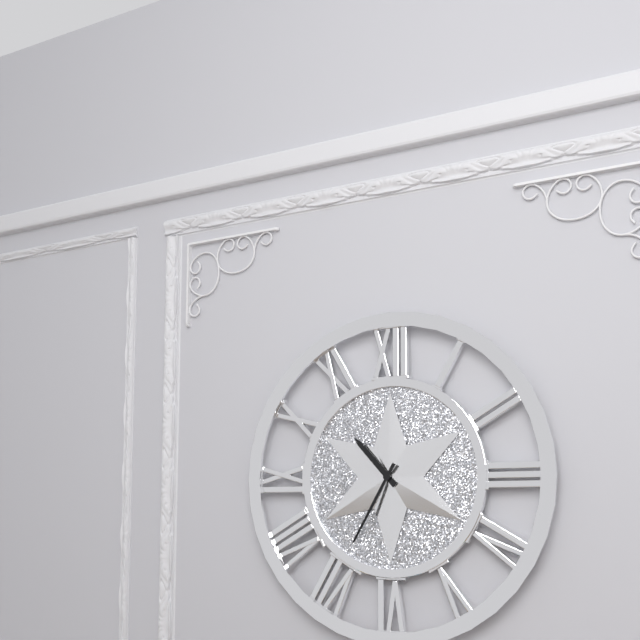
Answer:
10,35
